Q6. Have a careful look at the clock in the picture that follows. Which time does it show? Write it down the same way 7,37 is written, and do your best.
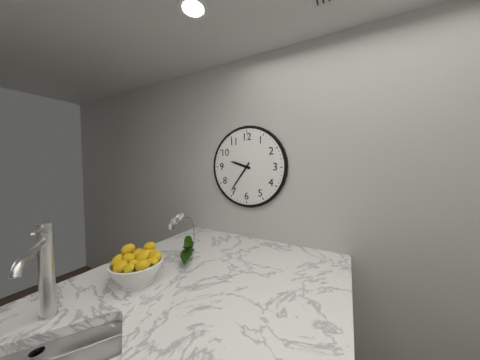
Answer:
9,36
